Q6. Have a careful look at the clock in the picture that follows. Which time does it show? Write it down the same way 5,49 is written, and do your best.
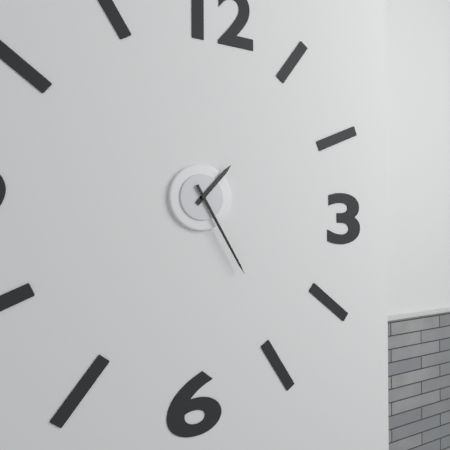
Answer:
1,25
